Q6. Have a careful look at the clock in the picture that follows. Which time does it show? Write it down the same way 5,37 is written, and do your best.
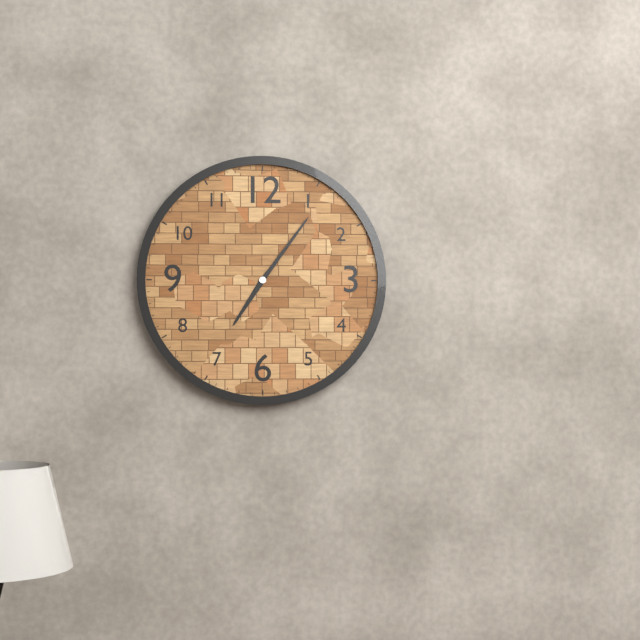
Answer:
7,06
